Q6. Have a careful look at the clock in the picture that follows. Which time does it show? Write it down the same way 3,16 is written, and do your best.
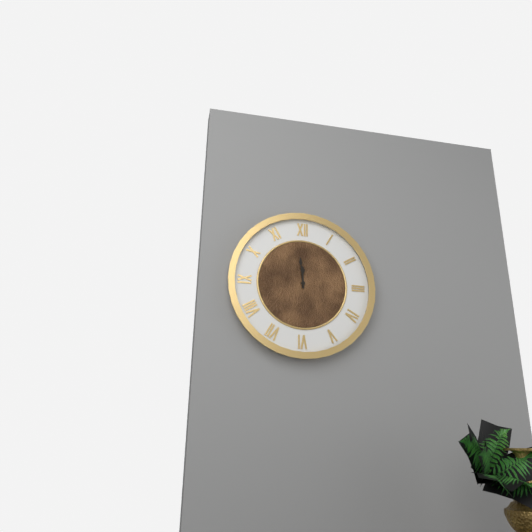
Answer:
11,59
